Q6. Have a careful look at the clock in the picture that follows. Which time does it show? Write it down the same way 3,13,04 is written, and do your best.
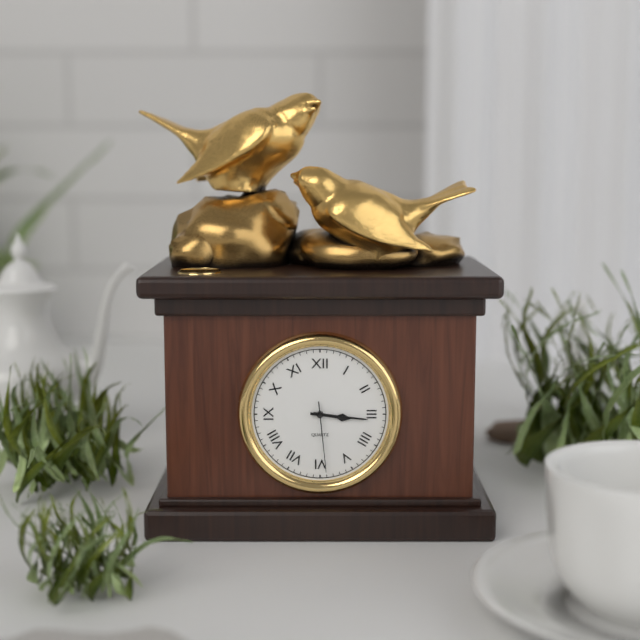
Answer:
3,16,29
